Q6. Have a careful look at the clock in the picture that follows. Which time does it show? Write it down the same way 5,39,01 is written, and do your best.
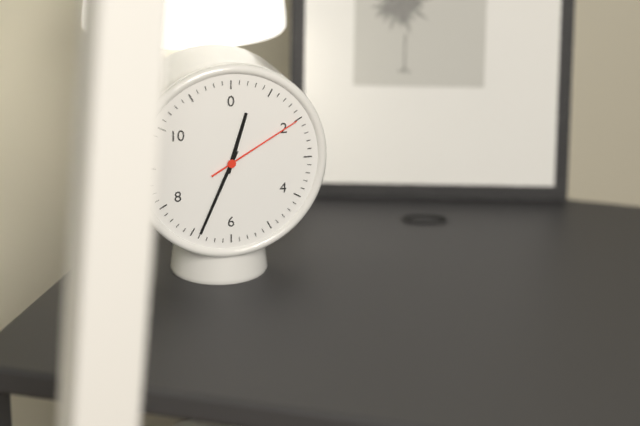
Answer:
12,34,10
